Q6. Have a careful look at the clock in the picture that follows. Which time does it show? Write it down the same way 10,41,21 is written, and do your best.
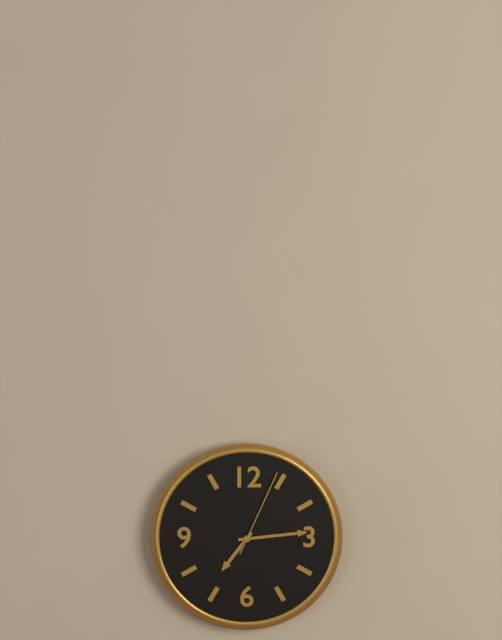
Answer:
7,14,04
